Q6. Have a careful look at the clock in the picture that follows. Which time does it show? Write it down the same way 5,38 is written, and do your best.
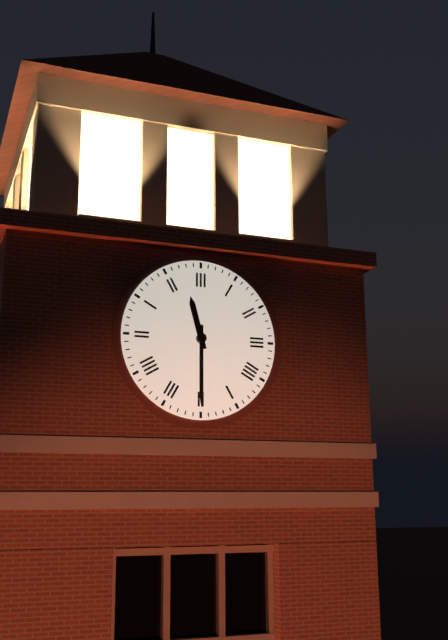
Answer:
11,30
